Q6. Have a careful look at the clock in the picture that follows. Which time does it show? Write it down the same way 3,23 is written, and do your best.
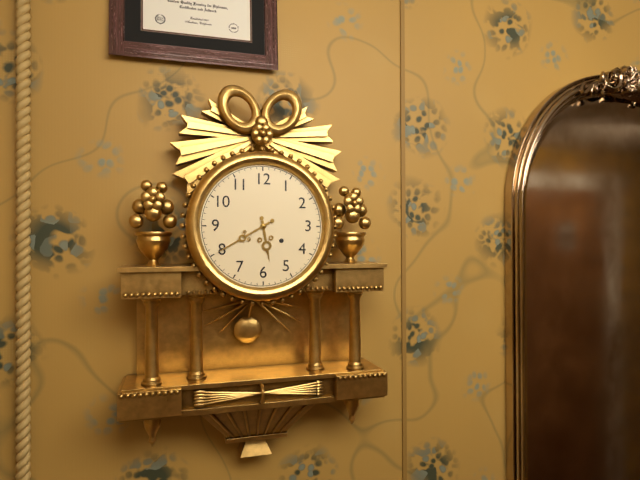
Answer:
5,40
